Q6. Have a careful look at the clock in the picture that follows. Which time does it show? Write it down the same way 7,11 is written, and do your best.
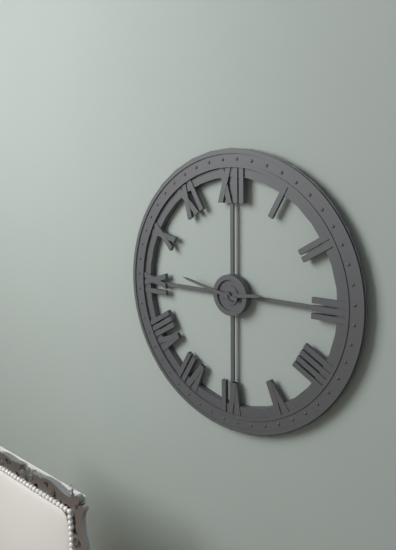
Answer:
2,47
